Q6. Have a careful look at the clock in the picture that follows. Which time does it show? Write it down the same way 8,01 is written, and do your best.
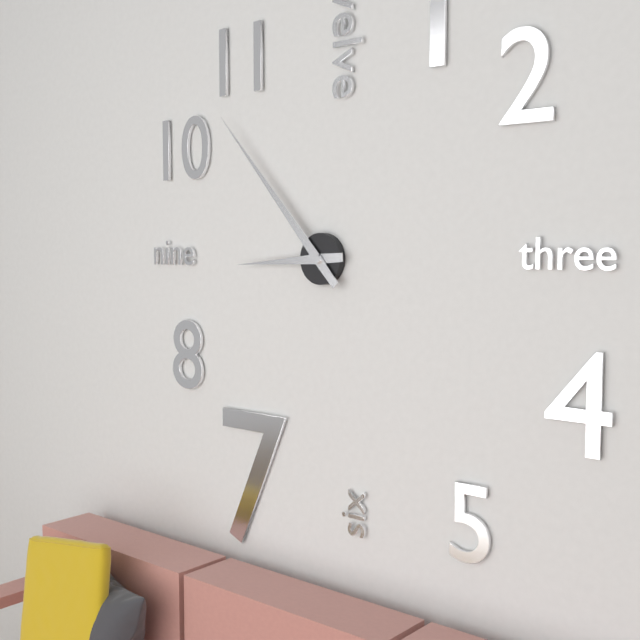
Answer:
8,53
